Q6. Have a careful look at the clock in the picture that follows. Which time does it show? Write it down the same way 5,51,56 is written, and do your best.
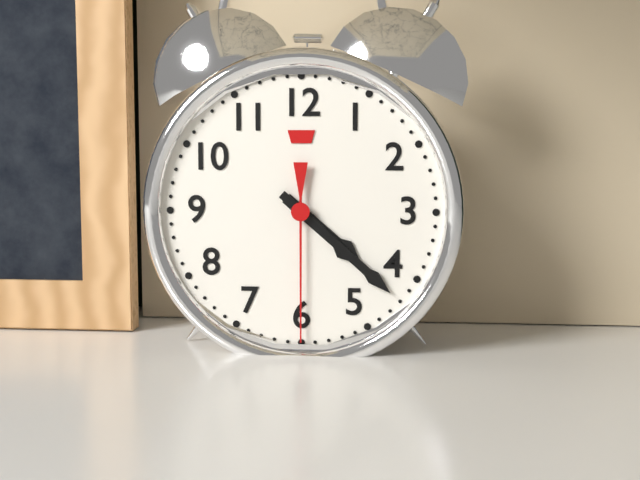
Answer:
4,22,30
